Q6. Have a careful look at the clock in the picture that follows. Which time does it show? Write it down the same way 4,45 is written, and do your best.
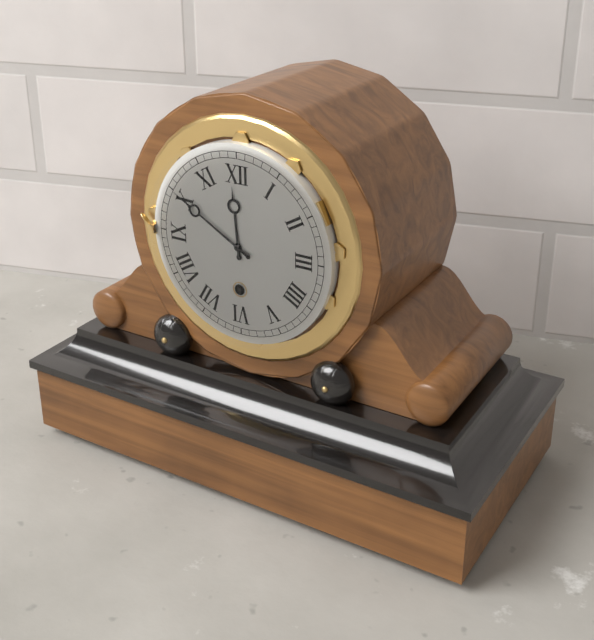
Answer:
11,50
